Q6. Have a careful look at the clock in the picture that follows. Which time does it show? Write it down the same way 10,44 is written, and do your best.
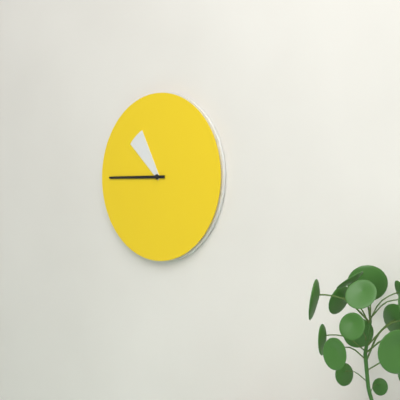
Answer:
10,45
